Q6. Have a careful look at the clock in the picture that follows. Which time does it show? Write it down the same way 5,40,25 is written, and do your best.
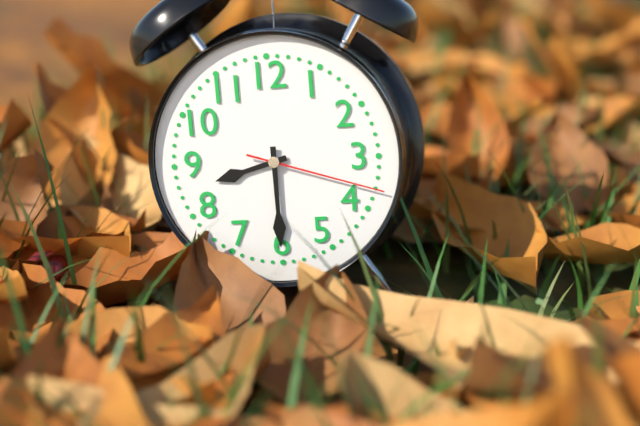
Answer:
8,30,18
